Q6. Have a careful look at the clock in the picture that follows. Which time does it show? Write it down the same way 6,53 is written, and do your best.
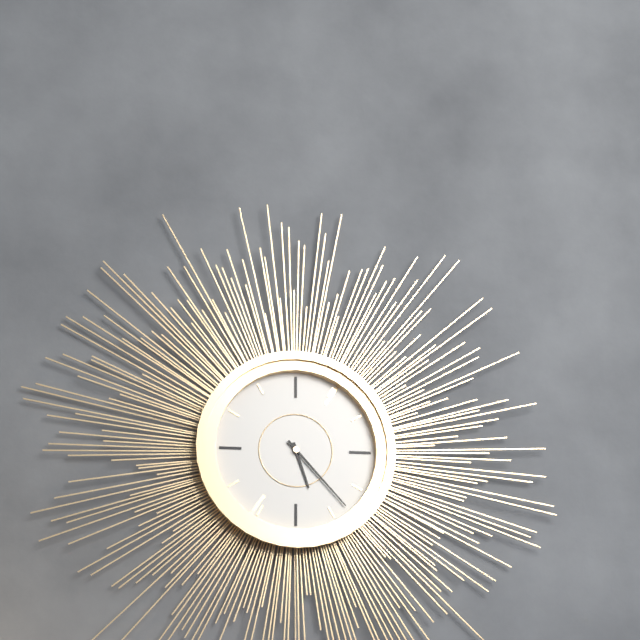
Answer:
5,23
